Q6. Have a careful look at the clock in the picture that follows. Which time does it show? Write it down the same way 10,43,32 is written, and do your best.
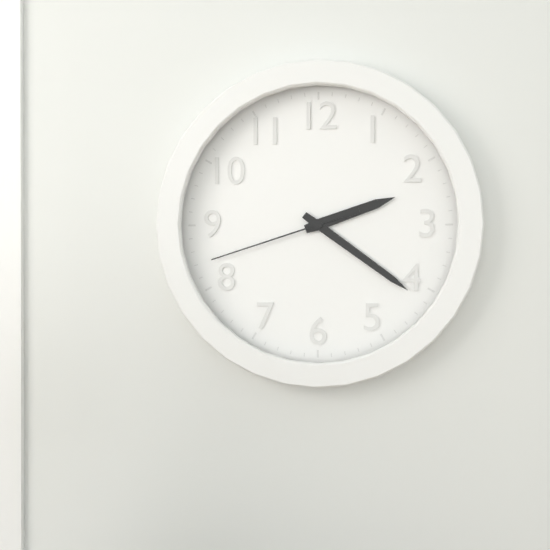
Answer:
2,21,42
